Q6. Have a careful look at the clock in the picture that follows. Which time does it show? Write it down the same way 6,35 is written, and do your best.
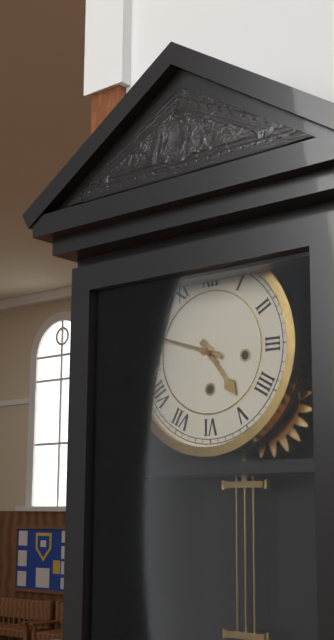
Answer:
4,48
